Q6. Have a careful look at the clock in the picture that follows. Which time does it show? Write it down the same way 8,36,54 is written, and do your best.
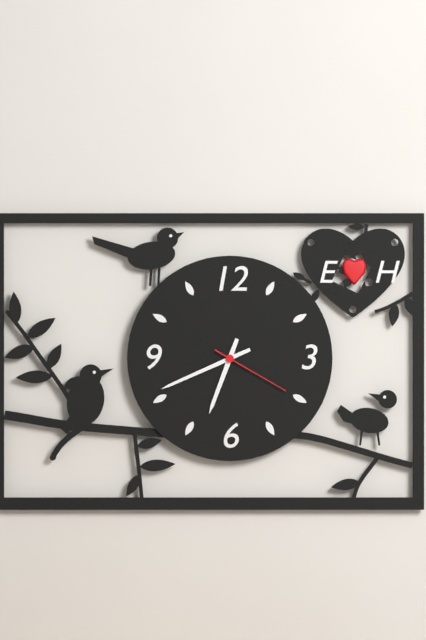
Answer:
6,41,20
